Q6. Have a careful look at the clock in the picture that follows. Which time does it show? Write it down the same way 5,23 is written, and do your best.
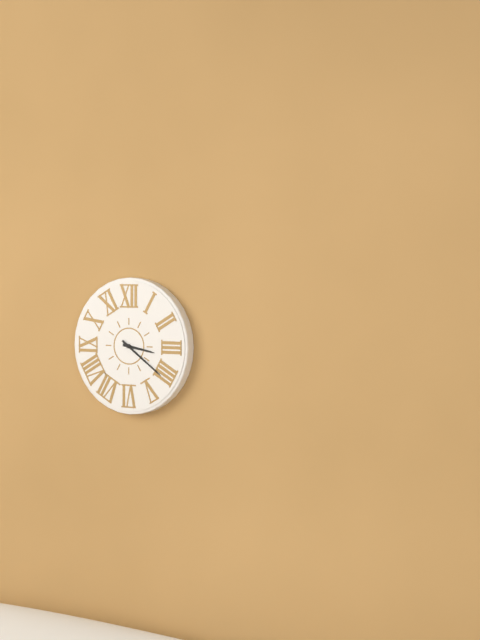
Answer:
3,21
